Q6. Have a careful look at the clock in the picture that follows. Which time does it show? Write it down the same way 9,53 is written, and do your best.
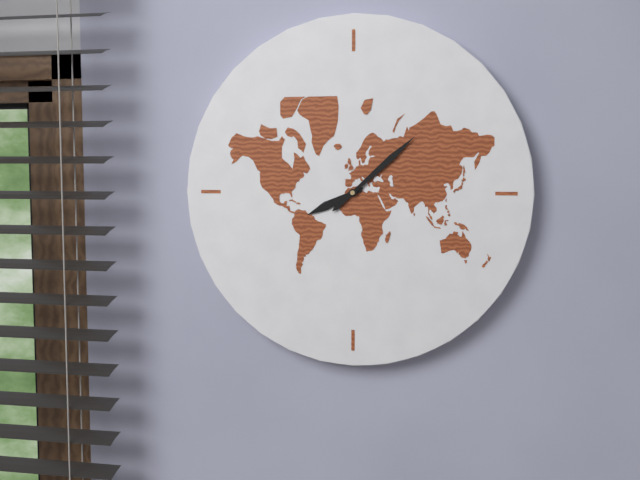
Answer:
8,08
